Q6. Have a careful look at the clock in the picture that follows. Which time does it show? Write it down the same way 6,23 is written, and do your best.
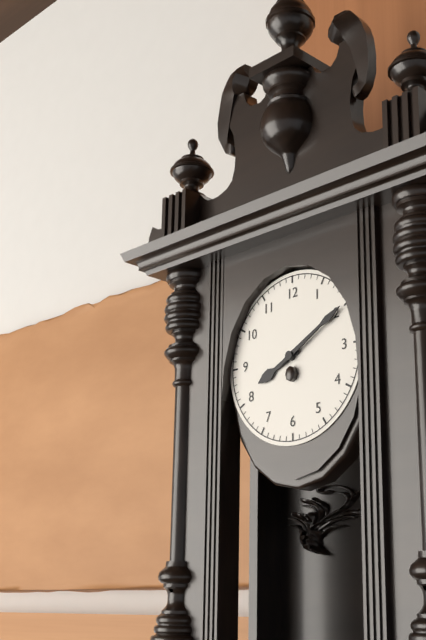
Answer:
8,10
